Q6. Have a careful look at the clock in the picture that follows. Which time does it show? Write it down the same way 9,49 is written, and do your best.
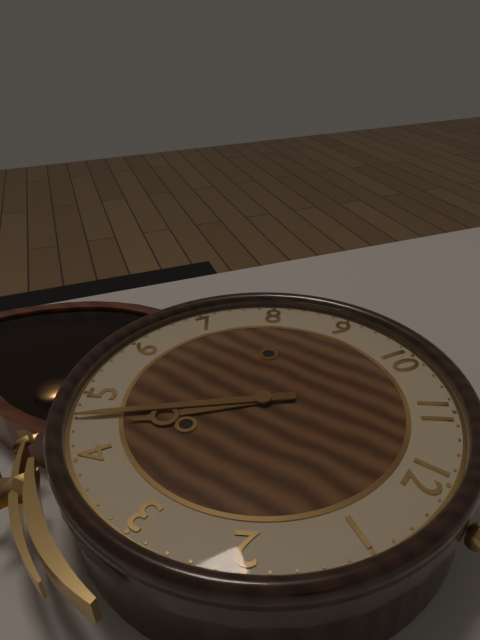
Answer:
4,23
